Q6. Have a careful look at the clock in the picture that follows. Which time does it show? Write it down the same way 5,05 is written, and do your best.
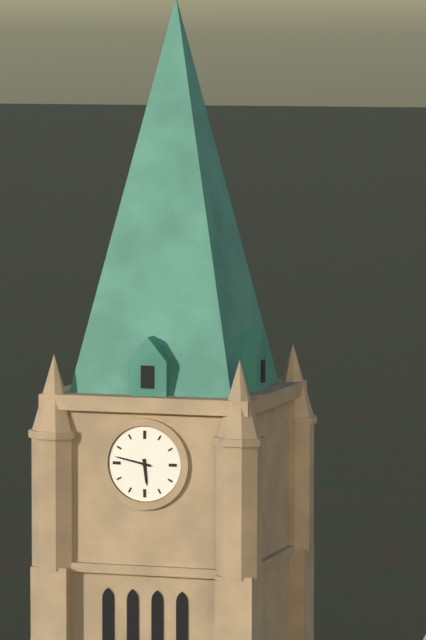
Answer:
5,47
